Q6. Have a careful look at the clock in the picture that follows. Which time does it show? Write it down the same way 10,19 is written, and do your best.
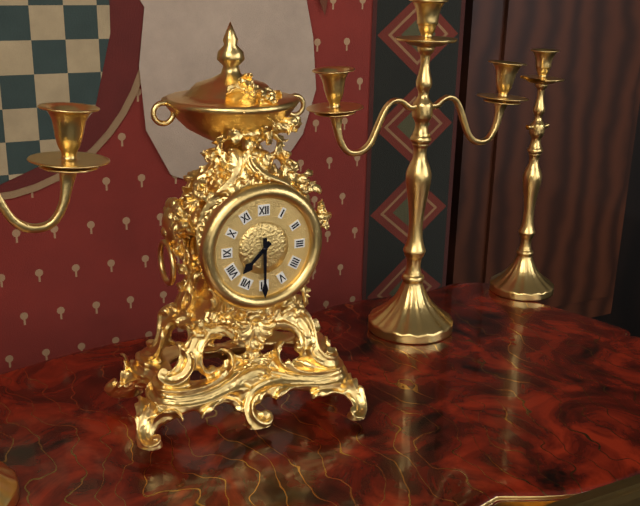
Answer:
7,30
